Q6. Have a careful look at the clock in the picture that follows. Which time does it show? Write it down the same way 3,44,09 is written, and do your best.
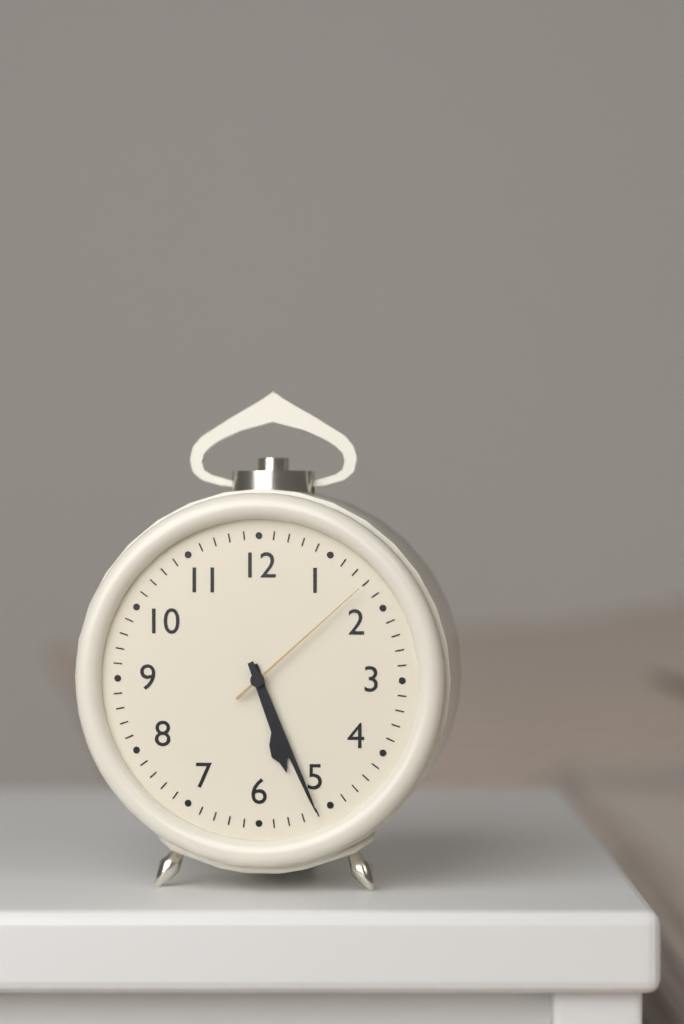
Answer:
5,26,08
